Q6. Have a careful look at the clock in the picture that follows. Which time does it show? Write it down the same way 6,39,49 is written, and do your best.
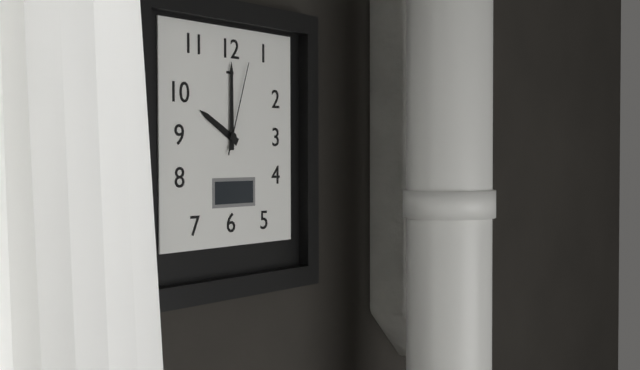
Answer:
10,00,03
